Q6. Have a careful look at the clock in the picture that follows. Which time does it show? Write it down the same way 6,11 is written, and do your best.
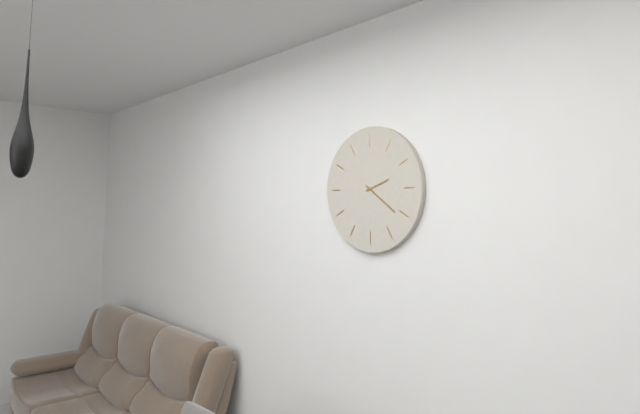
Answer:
2,21
